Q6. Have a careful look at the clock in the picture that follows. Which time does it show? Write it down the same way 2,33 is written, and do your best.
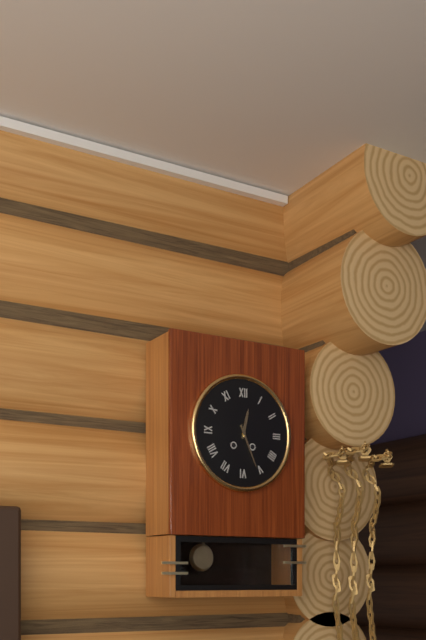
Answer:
12,26
